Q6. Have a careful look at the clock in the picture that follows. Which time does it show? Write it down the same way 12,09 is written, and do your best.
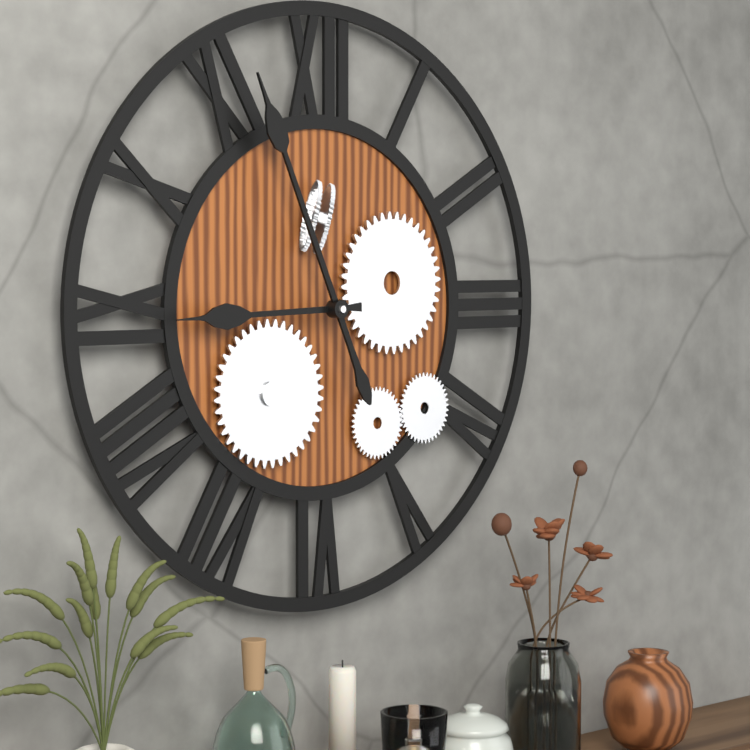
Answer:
8,56
